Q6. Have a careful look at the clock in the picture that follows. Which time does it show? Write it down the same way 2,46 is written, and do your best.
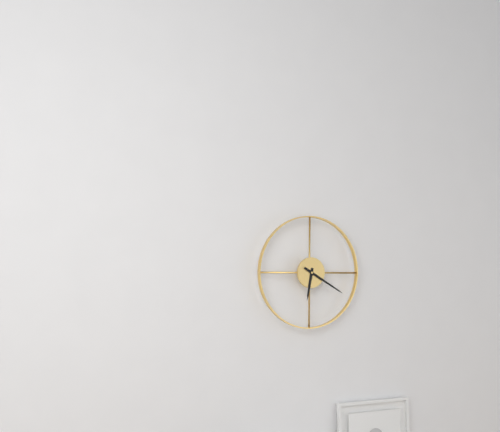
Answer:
6,20
